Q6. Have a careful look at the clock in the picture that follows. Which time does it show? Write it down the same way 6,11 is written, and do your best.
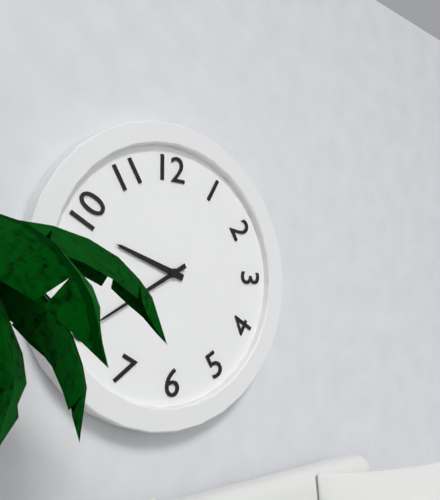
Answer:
9,40
